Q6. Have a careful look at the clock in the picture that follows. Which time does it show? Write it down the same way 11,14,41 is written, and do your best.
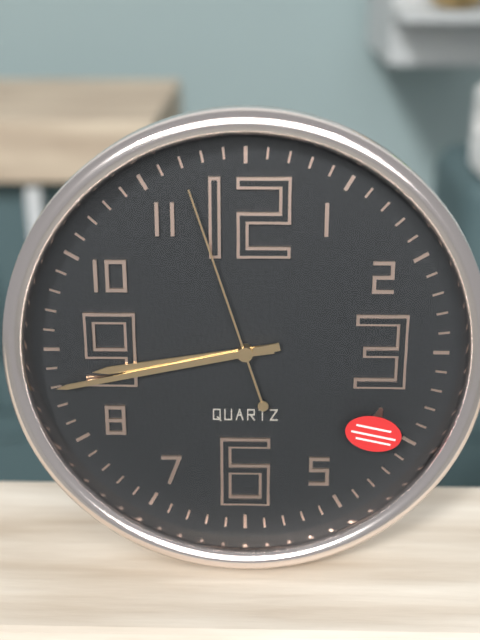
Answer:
8,43,57
